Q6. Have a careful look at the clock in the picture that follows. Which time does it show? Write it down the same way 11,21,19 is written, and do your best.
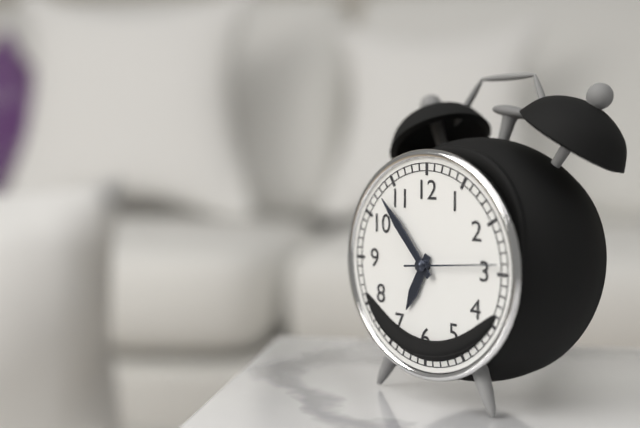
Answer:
6,53,14
